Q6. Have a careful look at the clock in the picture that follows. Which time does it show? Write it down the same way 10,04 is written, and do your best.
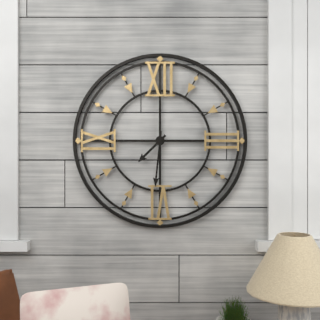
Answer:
7,31
